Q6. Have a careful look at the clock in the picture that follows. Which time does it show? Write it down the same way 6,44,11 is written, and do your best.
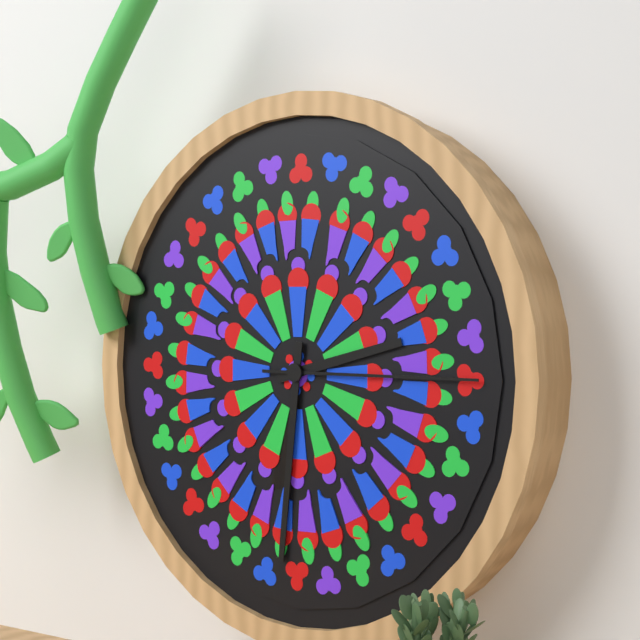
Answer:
2,31,15
